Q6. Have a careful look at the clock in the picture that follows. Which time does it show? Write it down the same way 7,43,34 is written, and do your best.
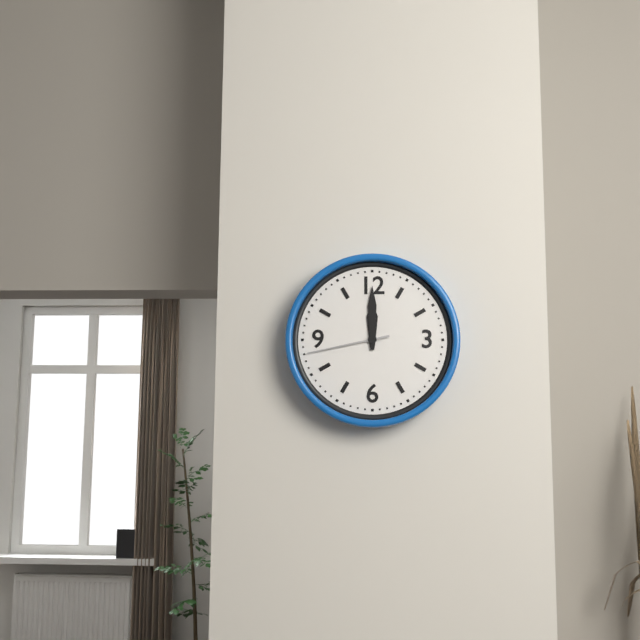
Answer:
12,00,43
